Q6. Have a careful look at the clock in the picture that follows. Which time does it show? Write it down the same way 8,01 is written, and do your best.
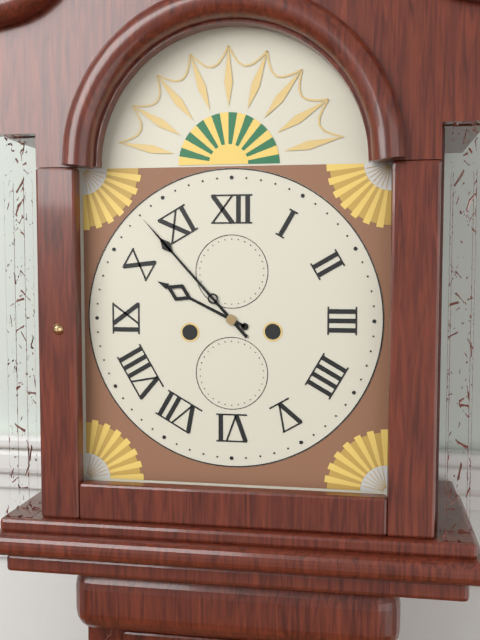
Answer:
9,53
